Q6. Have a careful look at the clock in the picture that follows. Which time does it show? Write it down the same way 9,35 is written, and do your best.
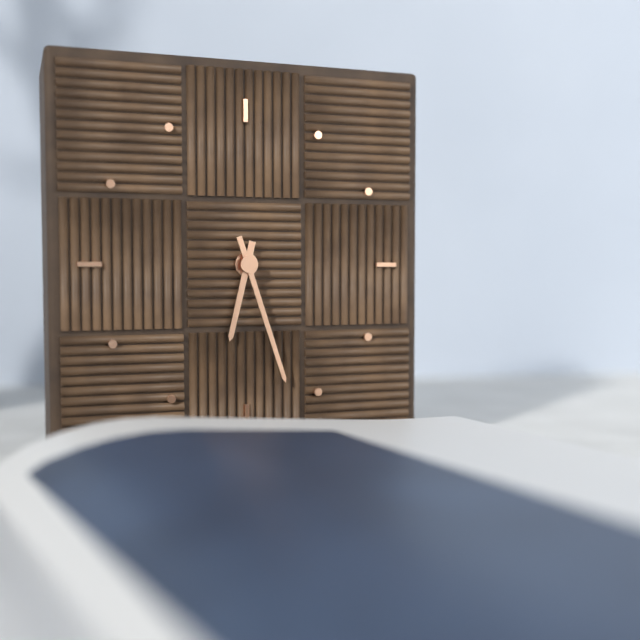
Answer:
6,27
